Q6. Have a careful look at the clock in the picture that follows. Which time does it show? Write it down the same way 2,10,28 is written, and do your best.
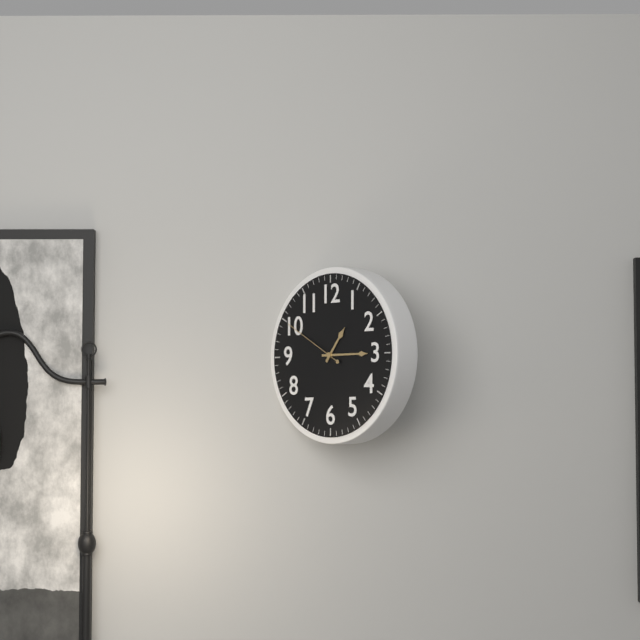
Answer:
1,15,50
